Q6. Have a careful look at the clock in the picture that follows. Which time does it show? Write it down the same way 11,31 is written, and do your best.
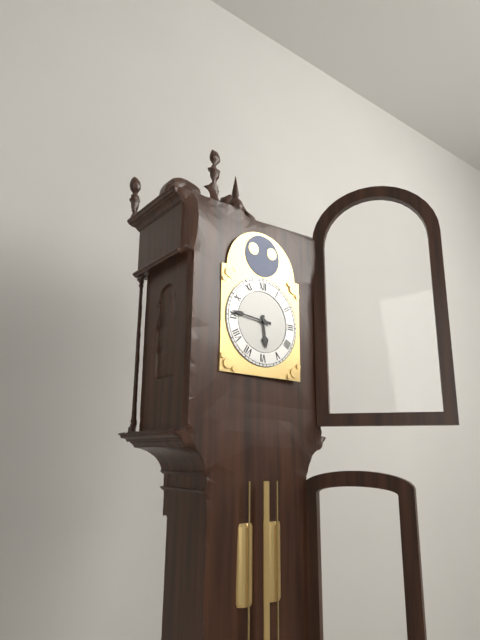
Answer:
5,46
